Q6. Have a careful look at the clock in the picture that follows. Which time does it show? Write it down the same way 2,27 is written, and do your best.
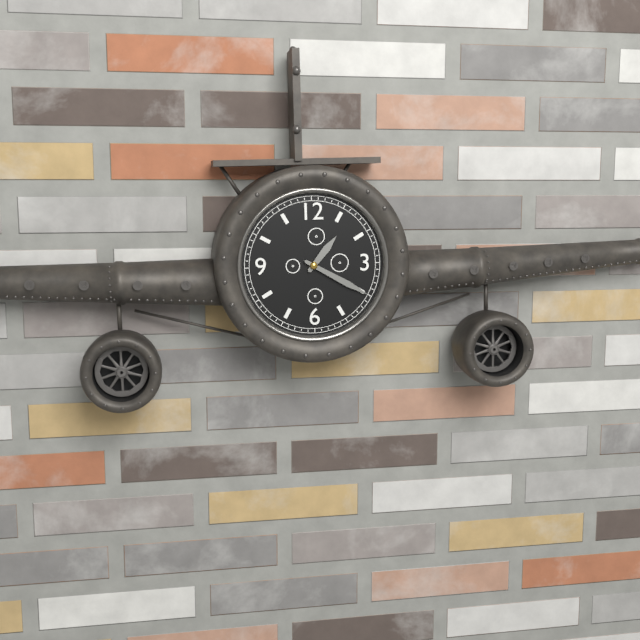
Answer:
1,20
